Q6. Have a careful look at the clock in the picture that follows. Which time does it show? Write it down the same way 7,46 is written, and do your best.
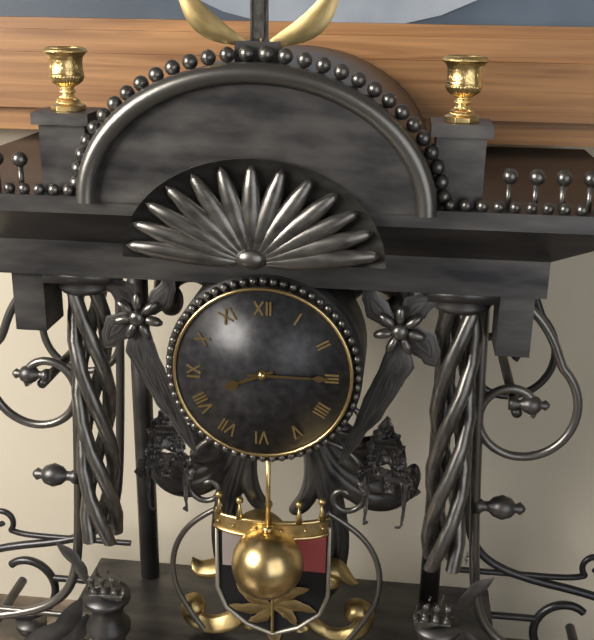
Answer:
8,15
